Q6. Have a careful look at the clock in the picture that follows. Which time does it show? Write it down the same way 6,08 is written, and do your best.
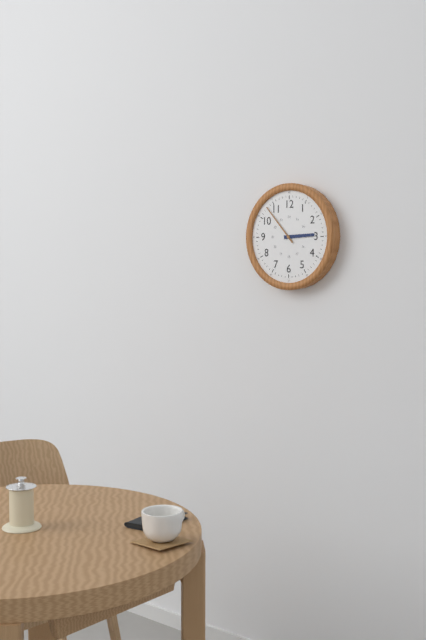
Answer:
2,53
